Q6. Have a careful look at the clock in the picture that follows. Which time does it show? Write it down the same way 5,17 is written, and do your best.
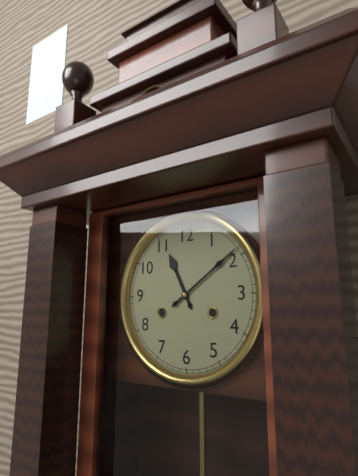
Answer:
11,09
